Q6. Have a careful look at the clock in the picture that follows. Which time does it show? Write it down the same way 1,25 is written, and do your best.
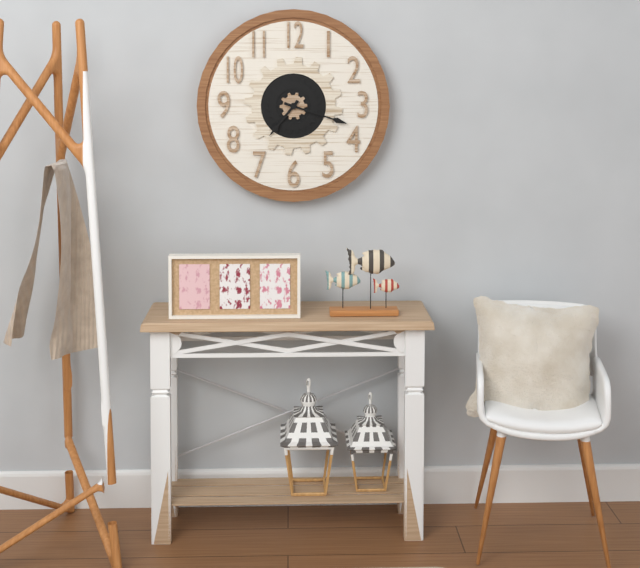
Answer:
7,18
